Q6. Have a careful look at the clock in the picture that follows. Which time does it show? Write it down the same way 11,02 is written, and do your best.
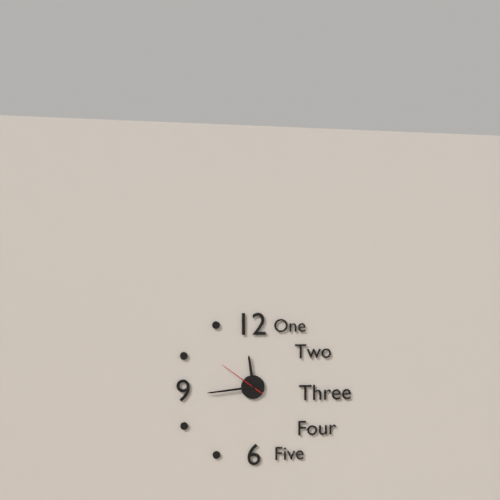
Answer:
11,44
